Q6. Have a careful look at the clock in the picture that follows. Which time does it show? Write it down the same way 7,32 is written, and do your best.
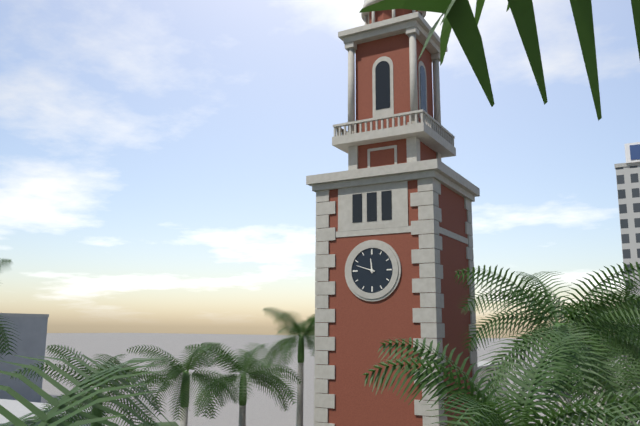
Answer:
11,48
